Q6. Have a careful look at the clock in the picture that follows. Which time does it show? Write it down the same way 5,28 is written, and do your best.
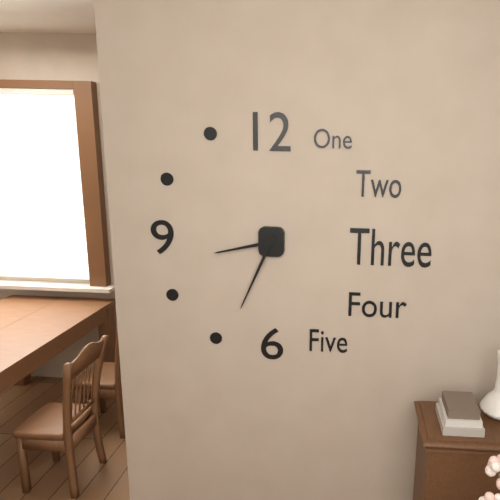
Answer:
8,34
